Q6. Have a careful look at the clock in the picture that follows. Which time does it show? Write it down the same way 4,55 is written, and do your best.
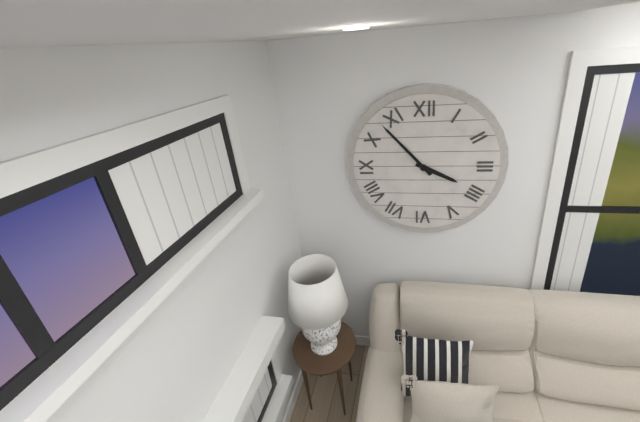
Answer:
3,53
